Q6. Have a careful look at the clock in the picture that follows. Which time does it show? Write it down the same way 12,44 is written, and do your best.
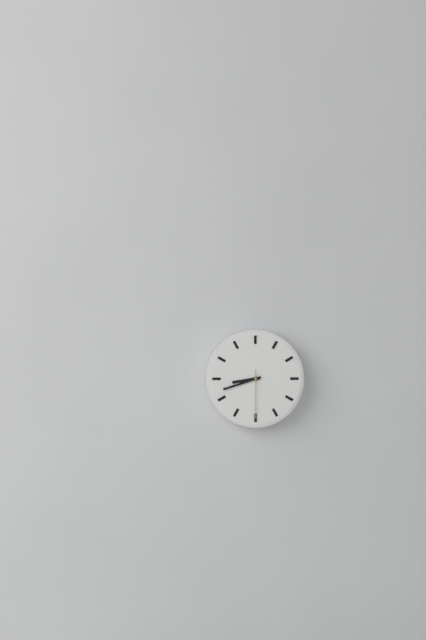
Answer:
8,42
